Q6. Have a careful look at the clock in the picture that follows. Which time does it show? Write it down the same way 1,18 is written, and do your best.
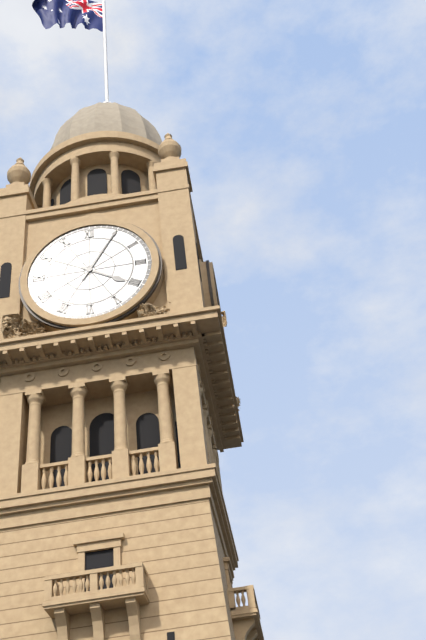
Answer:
4,05
